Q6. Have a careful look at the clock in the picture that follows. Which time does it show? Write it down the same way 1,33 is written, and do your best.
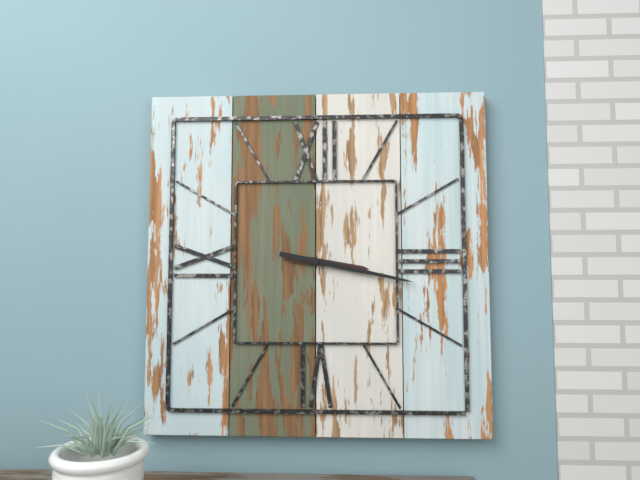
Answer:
3,17
